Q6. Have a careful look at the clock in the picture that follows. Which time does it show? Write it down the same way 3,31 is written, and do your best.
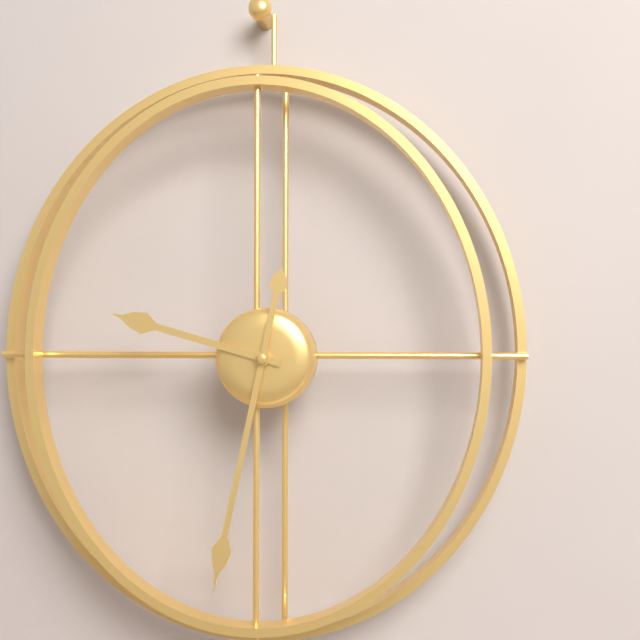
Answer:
9,32
